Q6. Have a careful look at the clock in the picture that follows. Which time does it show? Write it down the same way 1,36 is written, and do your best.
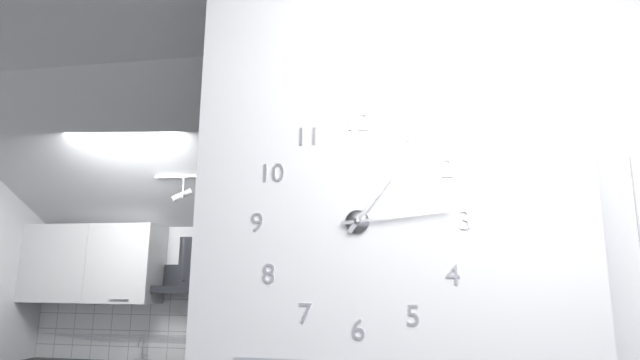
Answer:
1,14
